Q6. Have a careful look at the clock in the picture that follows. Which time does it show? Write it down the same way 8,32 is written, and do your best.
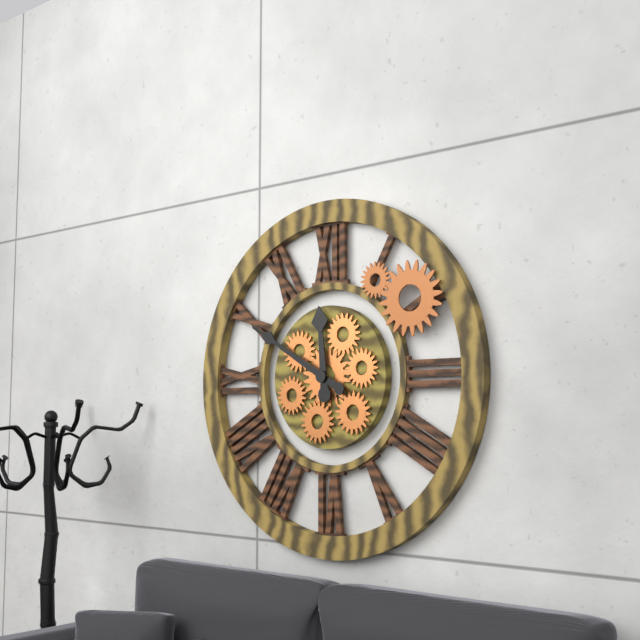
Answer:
11,50
